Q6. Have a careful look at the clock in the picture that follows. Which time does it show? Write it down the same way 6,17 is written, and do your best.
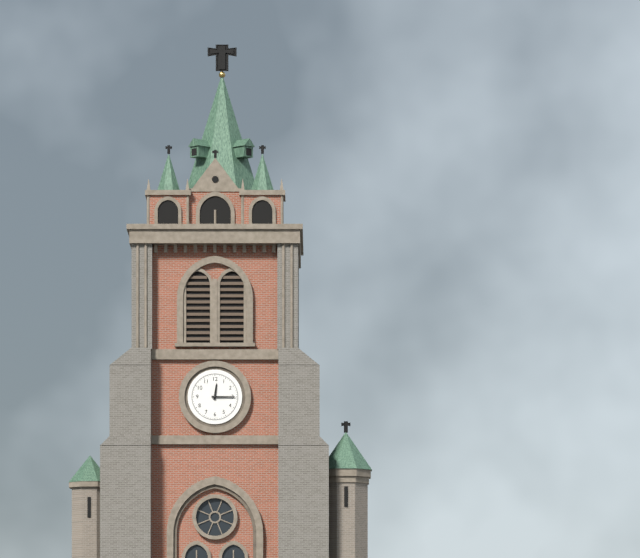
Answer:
12,15
